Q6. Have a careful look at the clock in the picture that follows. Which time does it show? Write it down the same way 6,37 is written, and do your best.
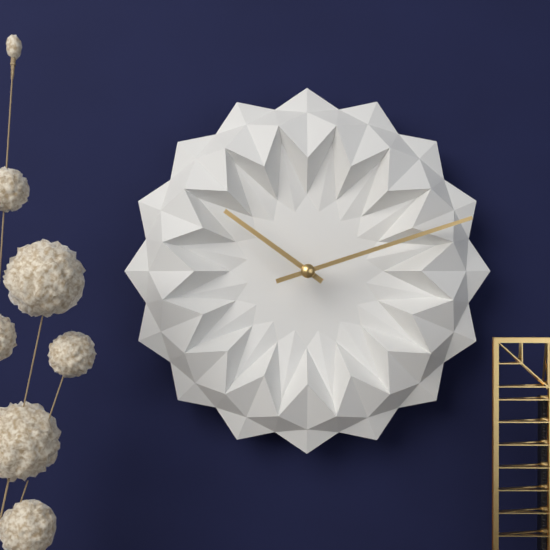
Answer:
10,12
